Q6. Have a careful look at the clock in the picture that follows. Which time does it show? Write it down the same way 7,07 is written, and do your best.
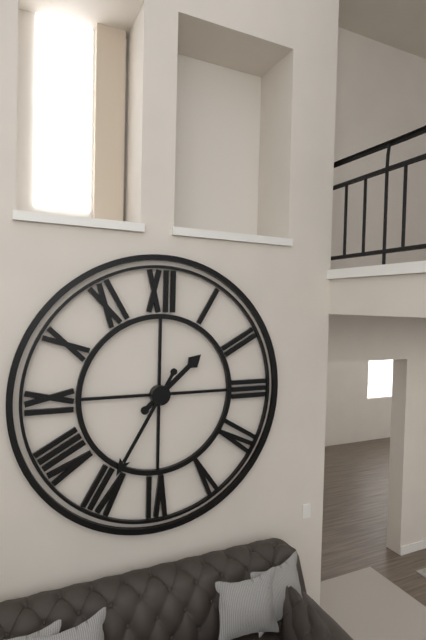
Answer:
1,35
